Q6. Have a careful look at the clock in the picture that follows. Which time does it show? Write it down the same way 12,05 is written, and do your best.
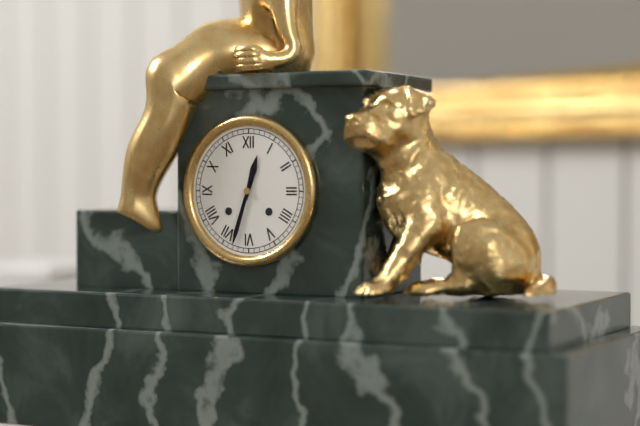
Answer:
12,33
